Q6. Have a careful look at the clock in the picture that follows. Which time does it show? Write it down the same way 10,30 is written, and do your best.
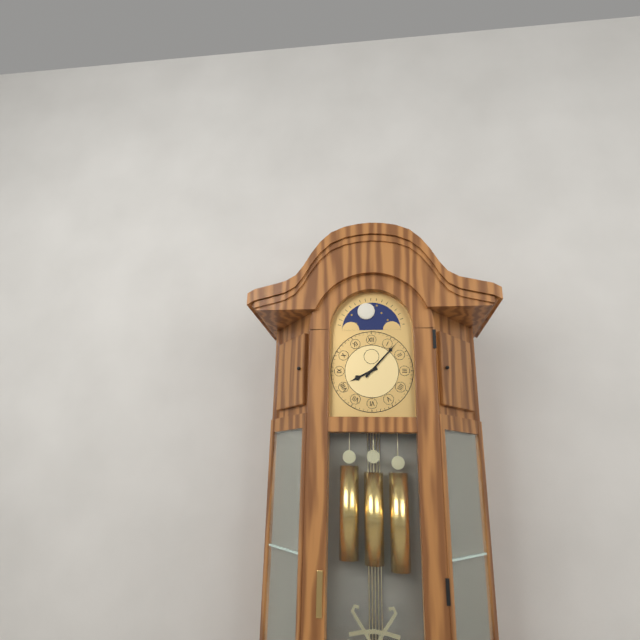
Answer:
8,07
